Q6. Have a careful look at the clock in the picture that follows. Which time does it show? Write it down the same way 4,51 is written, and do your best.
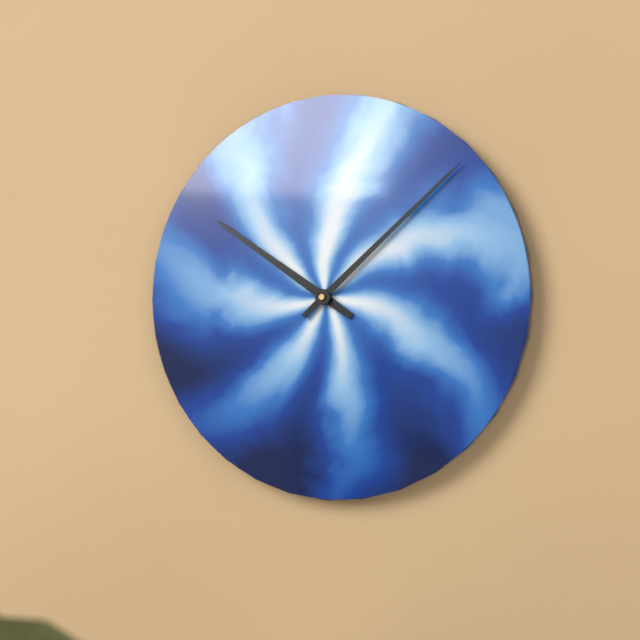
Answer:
10,08
